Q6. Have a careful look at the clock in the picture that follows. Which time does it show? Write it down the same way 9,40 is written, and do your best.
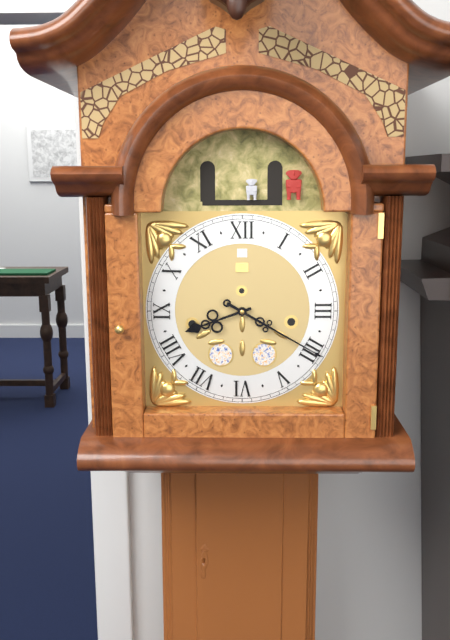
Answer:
8,20
